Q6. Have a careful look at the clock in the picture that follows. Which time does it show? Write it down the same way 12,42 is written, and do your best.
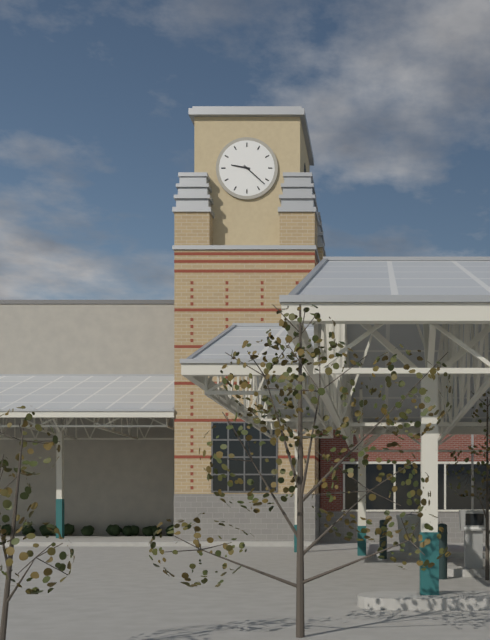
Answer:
9,22
